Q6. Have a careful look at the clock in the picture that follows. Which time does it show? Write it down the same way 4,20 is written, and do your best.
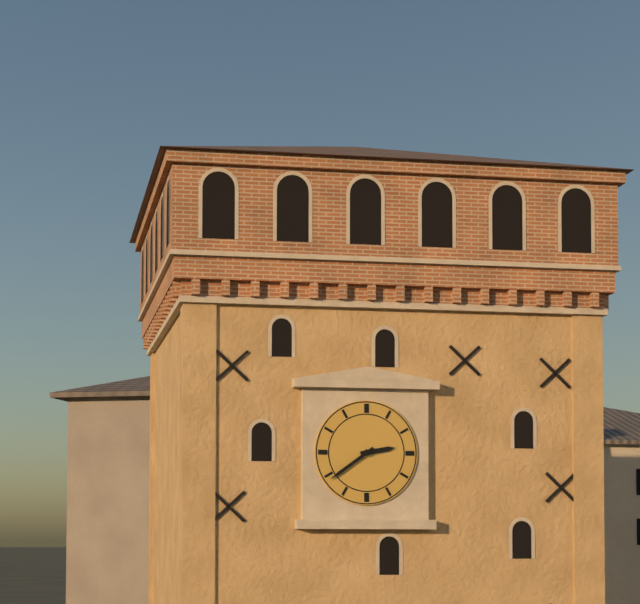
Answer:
2,39
